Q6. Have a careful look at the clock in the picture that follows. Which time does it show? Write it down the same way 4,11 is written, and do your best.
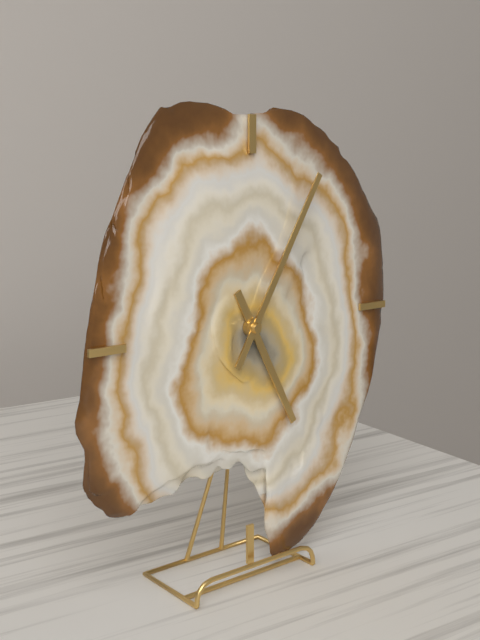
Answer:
5,05
